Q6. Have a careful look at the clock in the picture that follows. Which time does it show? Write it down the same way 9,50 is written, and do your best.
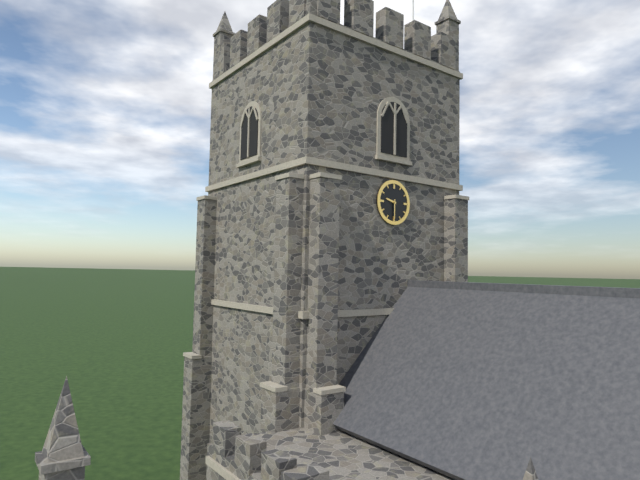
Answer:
9,30
